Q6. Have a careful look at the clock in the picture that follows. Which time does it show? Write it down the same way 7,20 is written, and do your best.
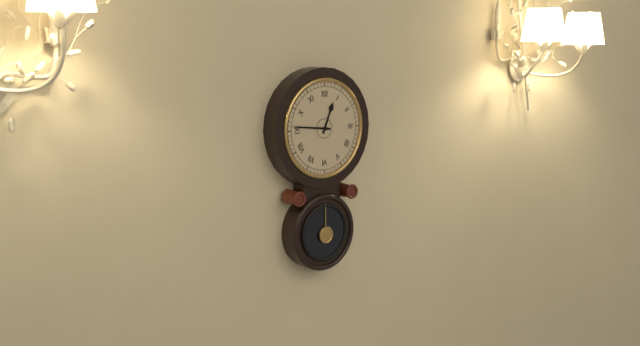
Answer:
12,46
